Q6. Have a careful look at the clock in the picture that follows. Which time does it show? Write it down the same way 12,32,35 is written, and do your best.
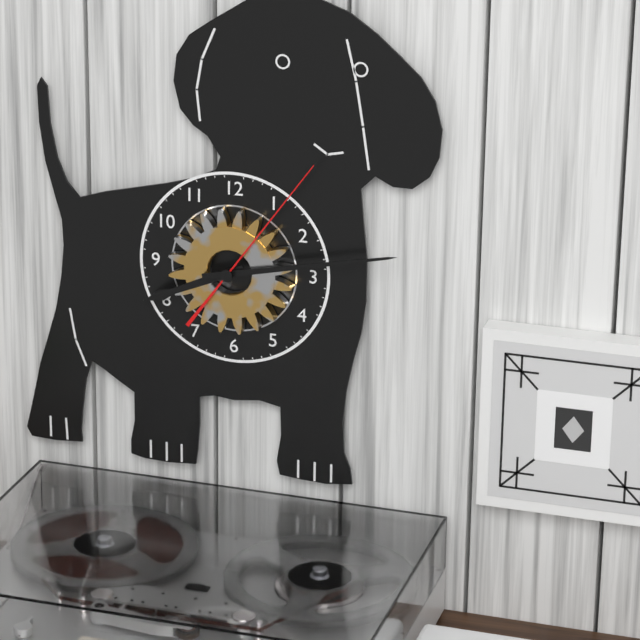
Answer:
8,13,06
